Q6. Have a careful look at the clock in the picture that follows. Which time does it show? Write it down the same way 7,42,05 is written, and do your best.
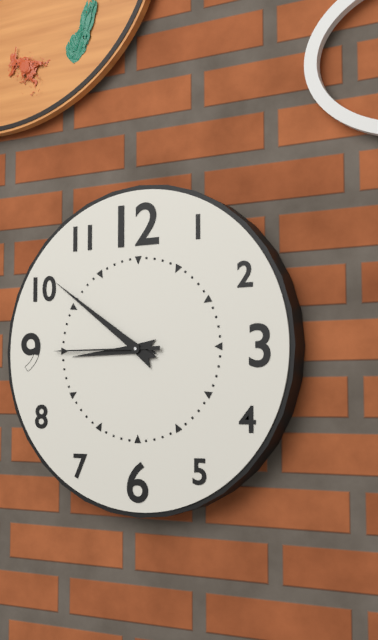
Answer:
8,51,45
